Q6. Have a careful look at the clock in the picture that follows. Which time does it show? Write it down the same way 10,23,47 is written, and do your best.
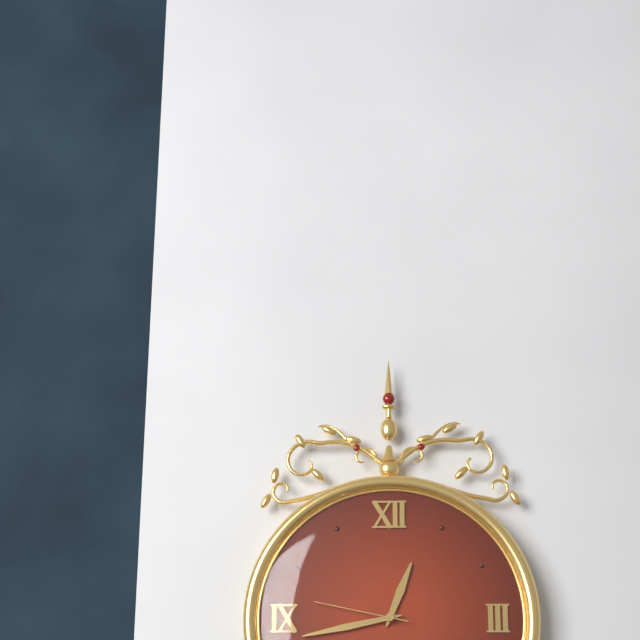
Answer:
12,43,47
